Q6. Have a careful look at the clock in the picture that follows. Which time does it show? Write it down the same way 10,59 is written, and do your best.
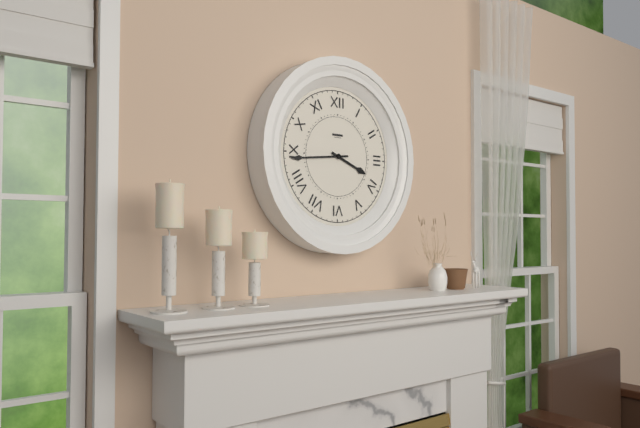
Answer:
3,44
